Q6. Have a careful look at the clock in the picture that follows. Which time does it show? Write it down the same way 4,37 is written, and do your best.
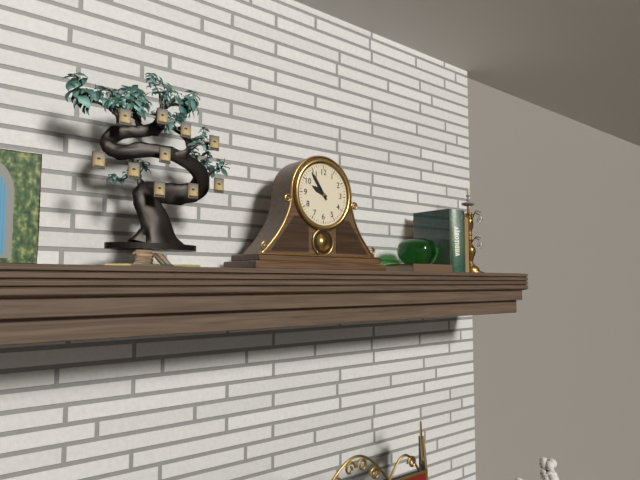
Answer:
9,54
